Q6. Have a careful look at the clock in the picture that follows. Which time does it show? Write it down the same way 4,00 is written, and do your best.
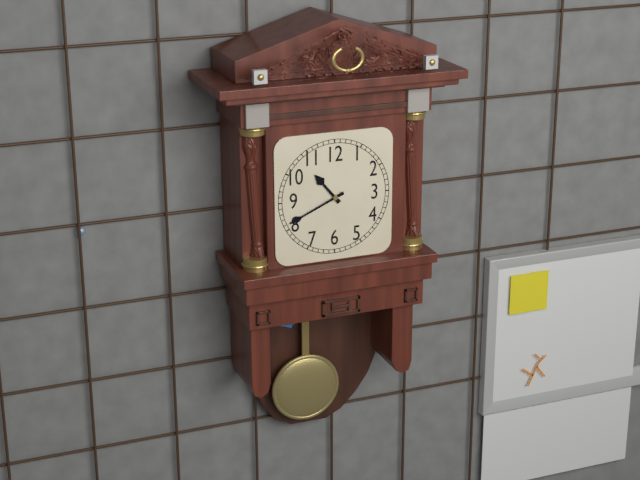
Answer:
10,41
